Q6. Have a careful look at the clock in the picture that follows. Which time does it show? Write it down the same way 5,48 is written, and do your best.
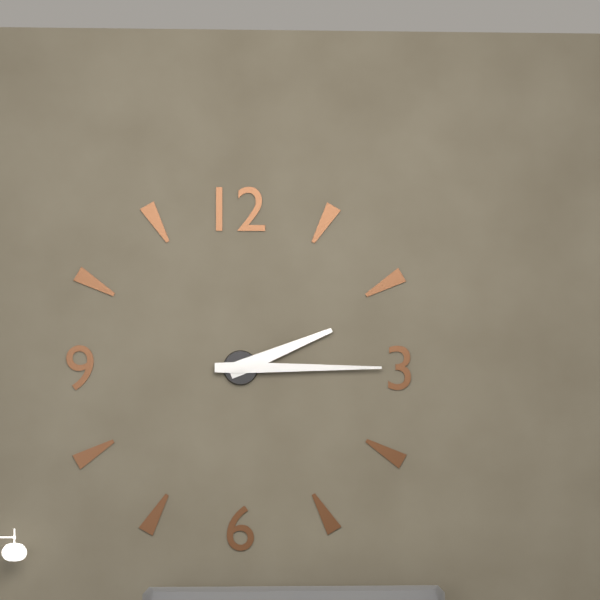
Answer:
2,15
